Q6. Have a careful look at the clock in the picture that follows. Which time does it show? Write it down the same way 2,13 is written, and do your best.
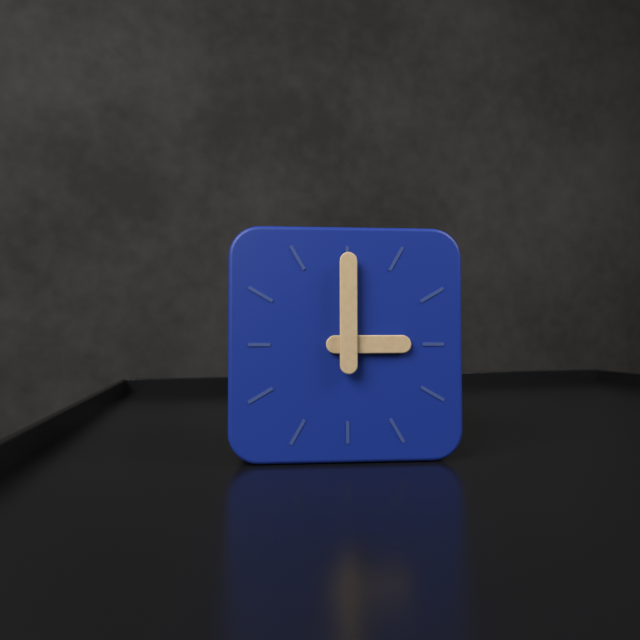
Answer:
3,00
